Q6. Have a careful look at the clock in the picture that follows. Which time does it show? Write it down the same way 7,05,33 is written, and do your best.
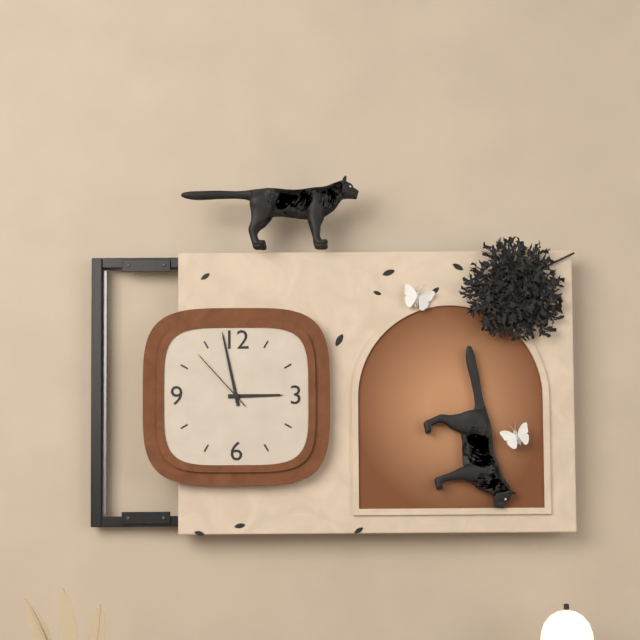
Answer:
2,58,53
